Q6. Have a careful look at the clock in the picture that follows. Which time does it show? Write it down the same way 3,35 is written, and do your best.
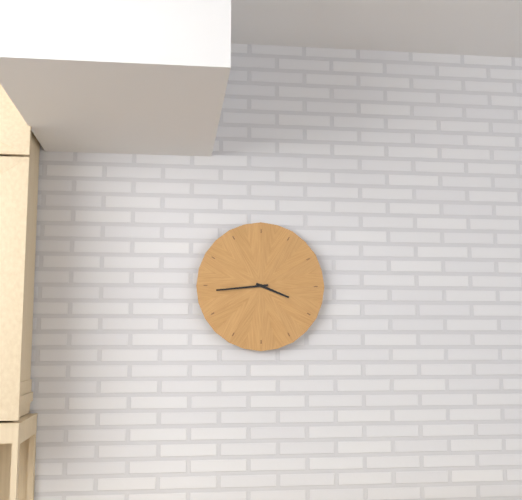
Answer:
3,44
